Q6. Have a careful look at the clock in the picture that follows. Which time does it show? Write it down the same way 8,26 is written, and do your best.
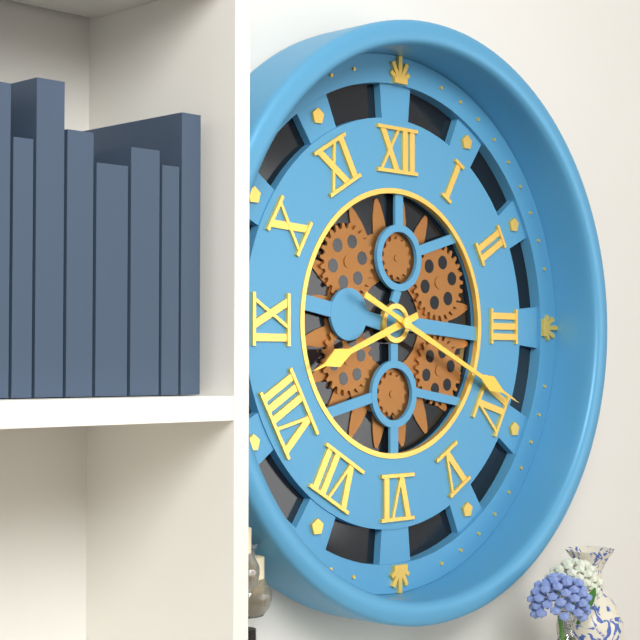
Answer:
8,19
